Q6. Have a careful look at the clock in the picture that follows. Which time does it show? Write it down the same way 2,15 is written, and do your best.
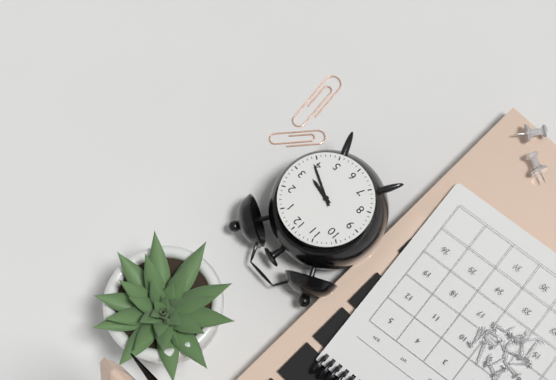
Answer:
3,19
